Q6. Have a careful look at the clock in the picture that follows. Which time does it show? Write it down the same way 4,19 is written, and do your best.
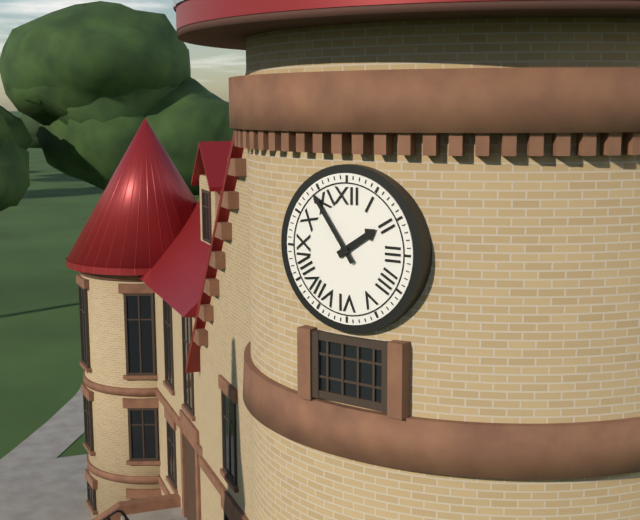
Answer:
1,54
